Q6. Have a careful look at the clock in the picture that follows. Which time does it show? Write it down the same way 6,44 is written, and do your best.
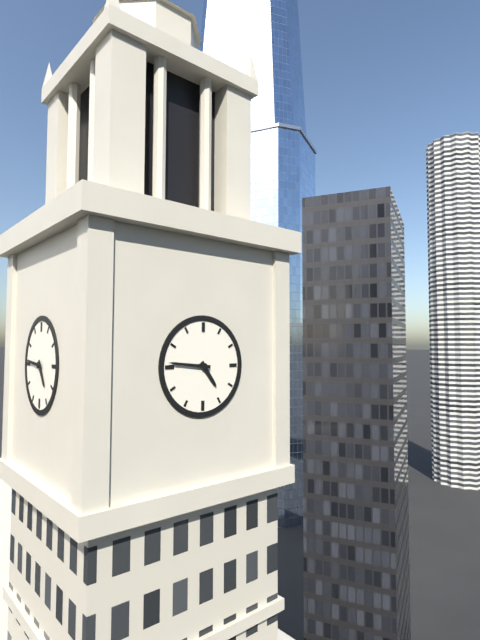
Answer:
4,46
